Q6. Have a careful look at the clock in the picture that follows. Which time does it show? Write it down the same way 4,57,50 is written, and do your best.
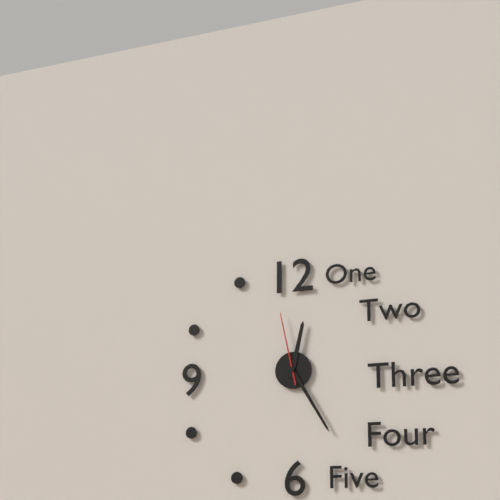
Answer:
12,25,58
